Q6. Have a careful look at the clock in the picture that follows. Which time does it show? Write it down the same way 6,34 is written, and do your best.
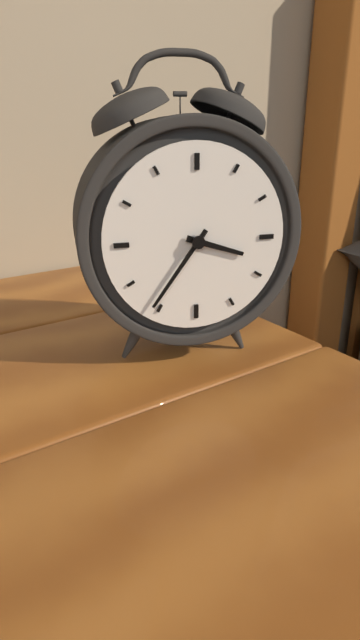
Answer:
3,36
